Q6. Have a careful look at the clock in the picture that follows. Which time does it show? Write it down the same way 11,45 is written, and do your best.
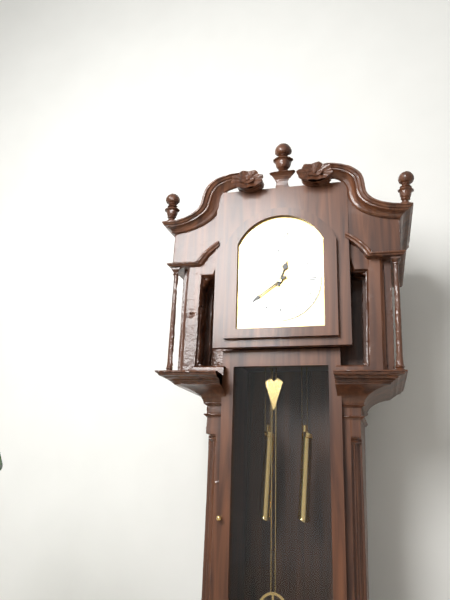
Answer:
12,39
